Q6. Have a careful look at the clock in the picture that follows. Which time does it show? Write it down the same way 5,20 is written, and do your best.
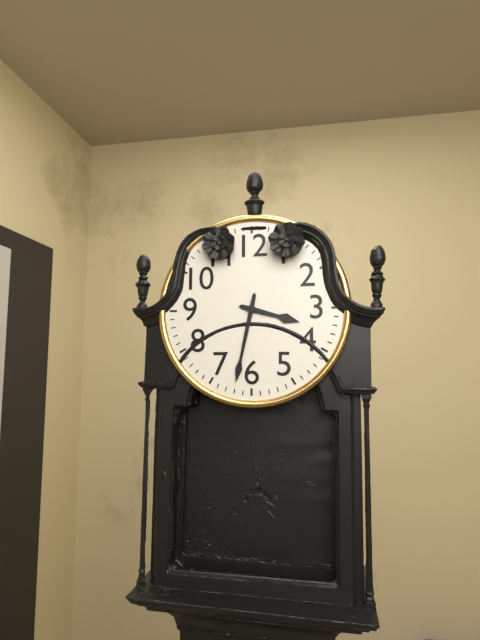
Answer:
3,32
